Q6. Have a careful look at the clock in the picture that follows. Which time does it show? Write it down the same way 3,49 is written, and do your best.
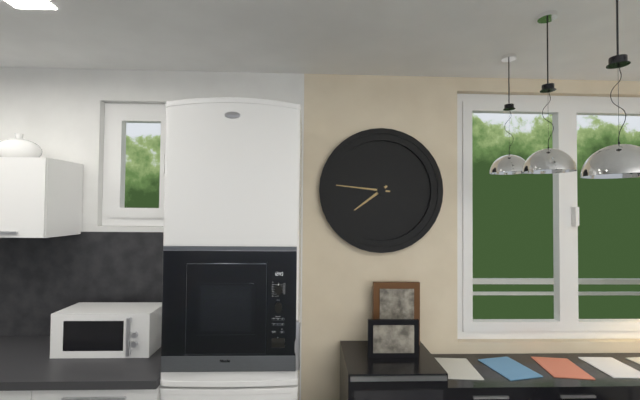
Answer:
7,46
